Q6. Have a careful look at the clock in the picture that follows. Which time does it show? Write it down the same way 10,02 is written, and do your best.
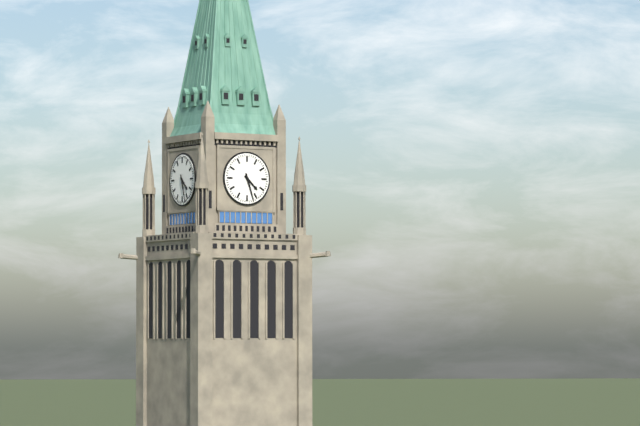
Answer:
4,27
